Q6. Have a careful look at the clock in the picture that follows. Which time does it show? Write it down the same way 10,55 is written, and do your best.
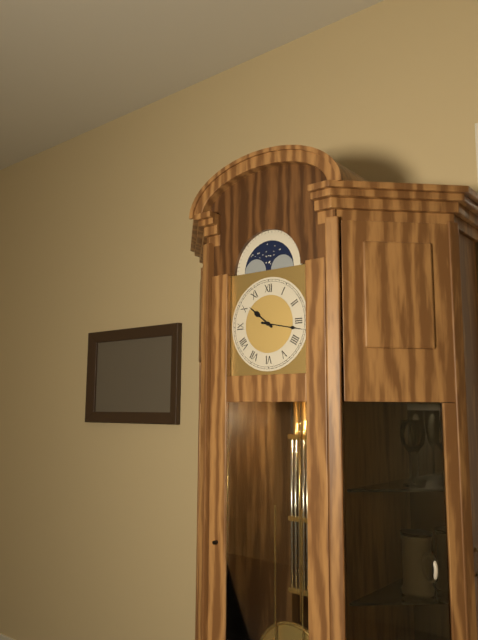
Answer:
10,17
